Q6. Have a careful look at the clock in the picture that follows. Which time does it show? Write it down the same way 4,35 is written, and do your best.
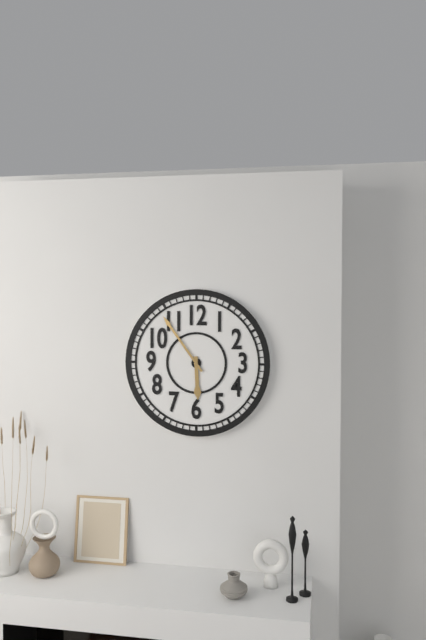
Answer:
5,54
